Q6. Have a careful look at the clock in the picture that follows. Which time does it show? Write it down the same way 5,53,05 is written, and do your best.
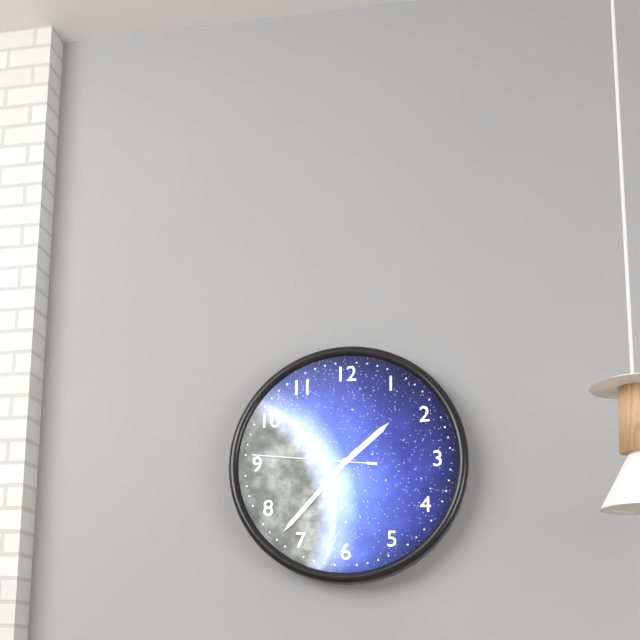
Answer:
1,37,46
